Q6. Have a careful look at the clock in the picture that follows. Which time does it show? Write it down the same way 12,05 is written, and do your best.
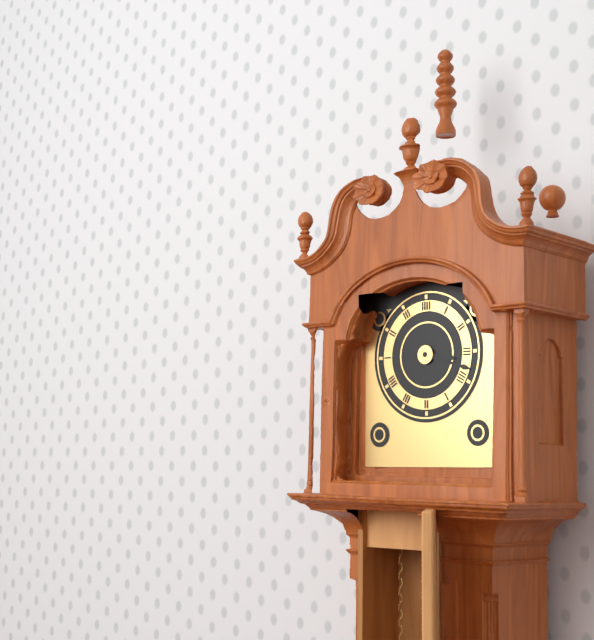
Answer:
3,18
